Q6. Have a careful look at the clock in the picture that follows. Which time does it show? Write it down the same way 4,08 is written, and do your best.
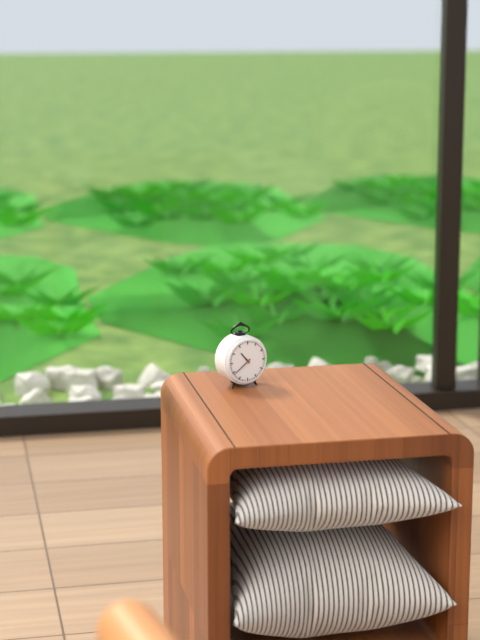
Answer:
10,39
